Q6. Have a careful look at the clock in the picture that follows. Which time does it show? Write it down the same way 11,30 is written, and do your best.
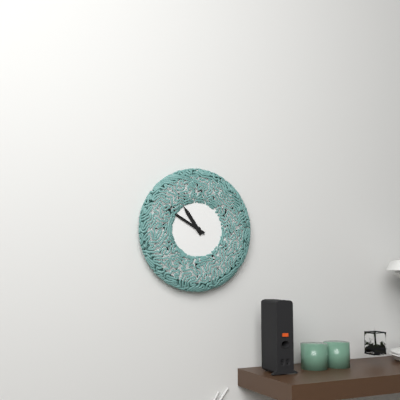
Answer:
10,50
